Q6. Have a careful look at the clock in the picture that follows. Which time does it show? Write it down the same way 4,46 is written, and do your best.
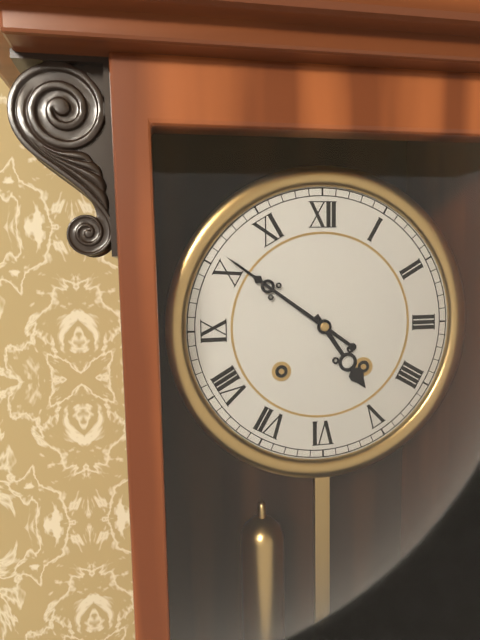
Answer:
4,51
